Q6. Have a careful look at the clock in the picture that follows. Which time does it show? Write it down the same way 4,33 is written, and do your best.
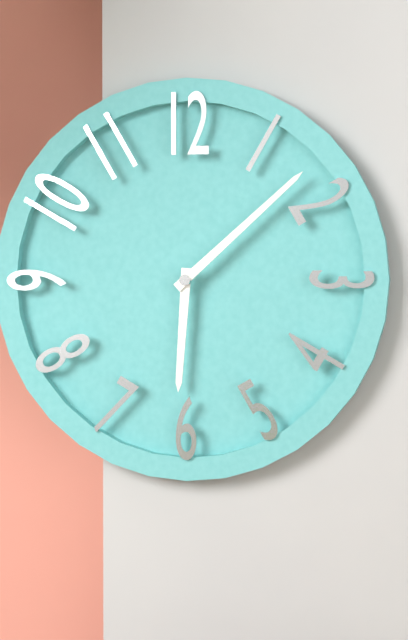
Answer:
6,08
